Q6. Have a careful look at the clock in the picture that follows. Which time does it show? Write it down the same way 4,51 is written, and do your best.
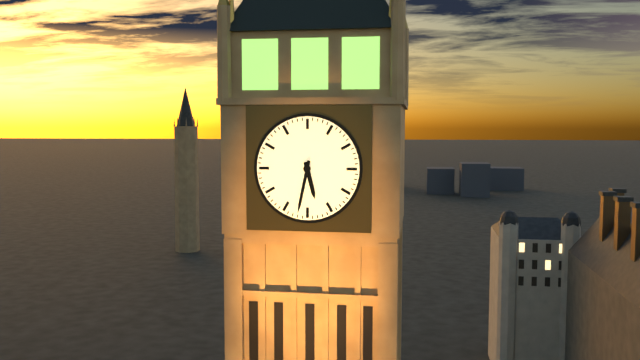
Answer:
5,32
